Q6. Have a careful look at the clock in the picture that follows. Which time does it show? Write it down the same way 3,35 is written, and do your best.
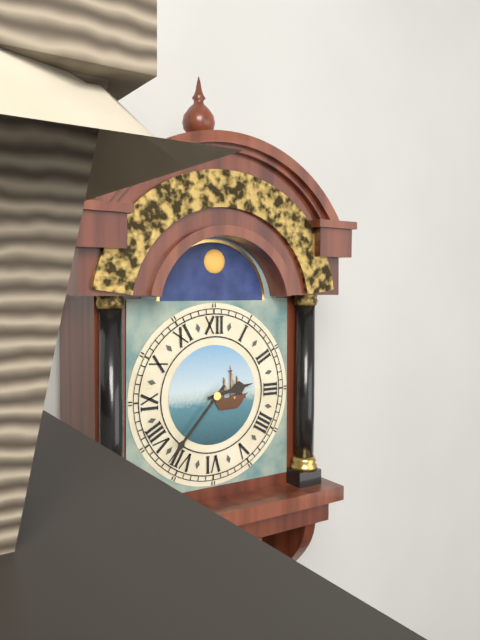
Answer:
2,37
